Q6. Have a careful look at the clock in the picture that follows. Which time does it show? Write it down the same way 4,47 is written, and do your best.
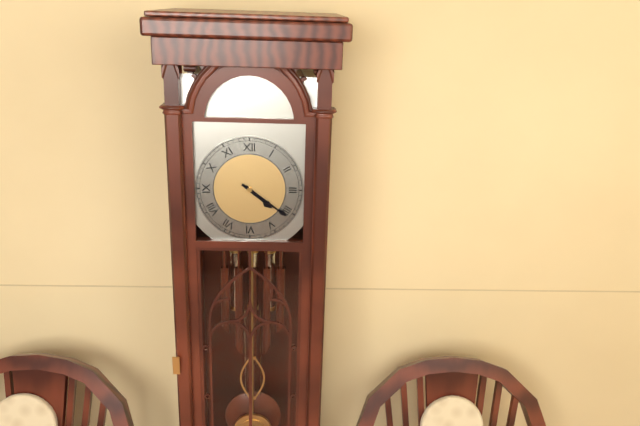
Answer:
4,21
